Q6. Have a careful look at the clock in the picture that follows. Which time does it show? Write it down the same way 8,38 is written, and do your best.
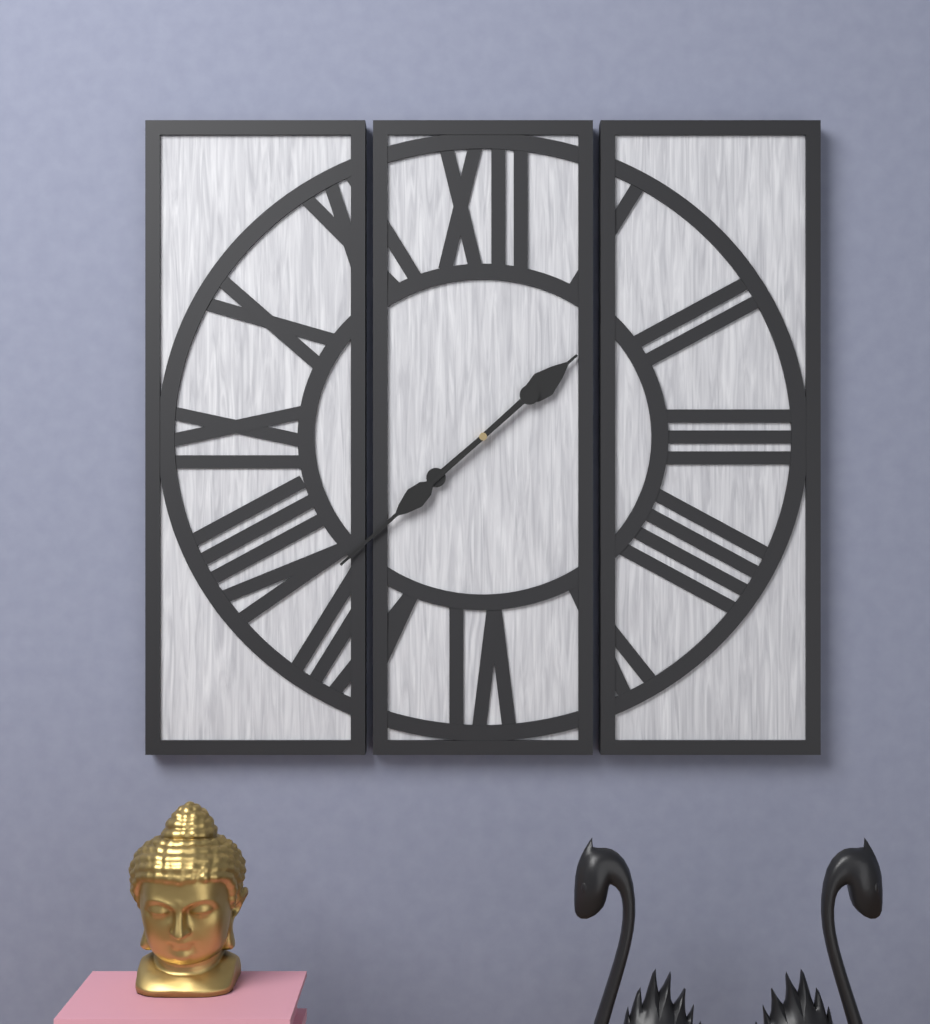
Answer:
1,38
